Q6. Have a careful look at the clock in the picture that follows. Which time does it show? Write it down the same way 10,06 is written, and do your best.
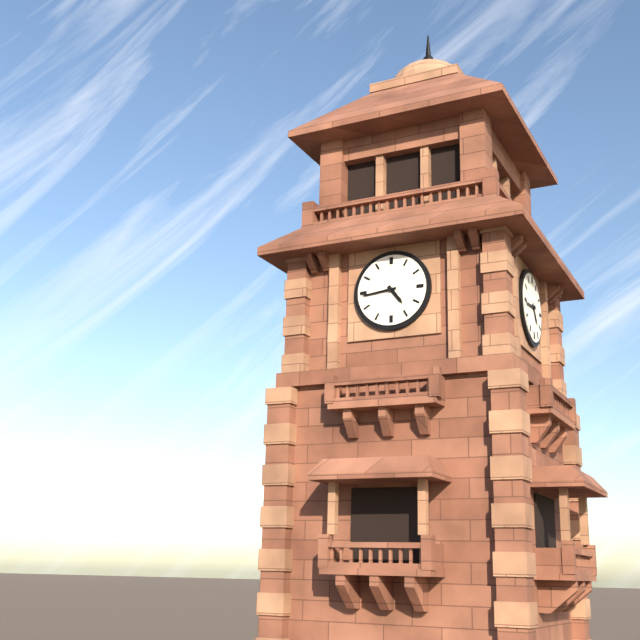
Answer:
4,44
